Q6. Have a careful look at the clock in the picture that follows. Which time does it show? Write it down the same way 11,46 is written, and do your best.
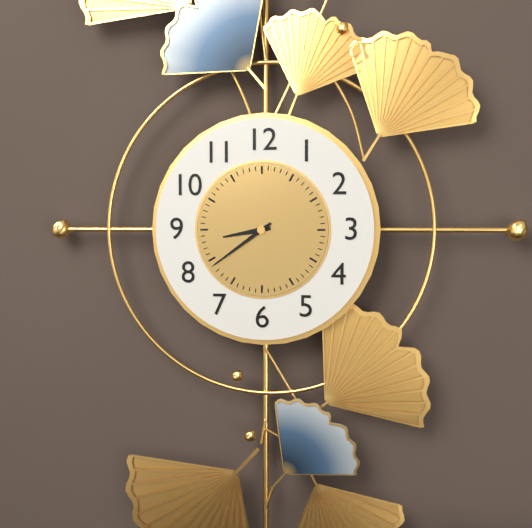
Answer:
8,39
